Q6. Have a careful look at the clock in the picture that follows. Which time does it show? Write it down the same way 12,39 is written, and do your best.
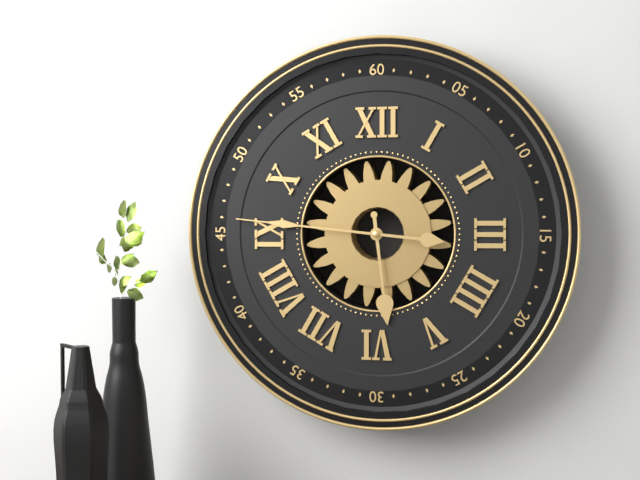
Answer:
5,46
